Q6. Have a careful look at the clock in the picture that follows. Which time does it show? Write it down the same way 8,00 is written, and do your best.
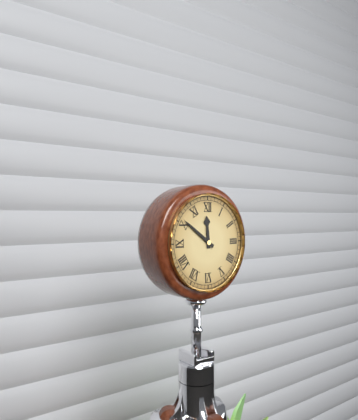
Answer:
11,51
